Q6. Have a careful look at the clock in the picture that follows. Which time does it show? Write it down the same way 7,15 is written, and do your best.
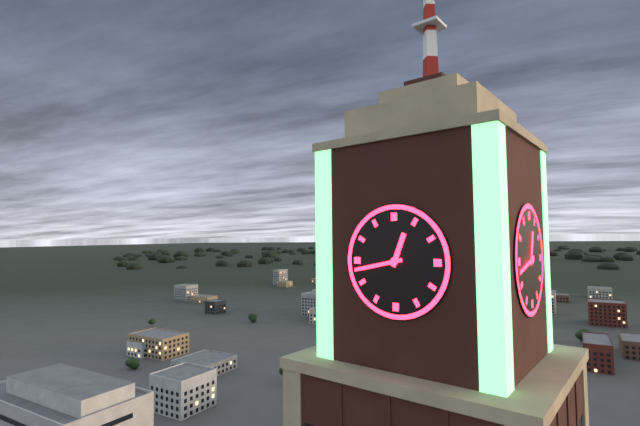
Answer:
12,43
